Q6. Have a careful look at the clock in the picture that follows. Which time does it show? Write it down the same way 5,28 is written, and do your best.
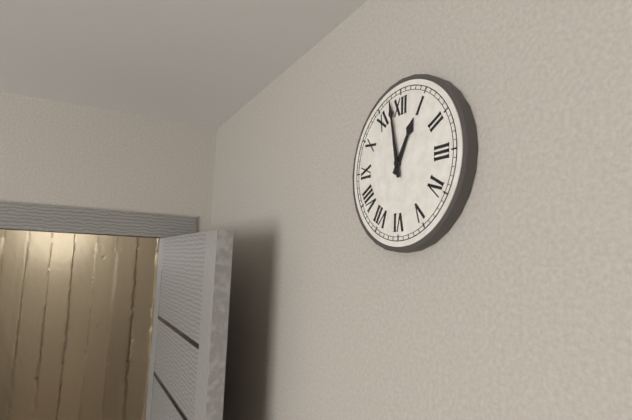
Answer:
12,58
